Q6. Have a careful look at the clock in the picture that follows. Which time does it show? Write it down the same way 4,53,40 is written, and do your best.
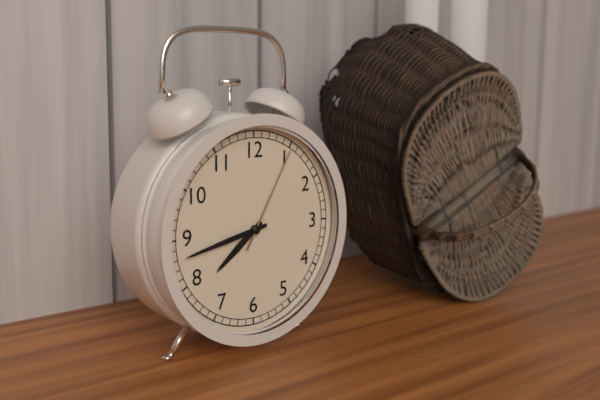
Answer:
7,43,05
